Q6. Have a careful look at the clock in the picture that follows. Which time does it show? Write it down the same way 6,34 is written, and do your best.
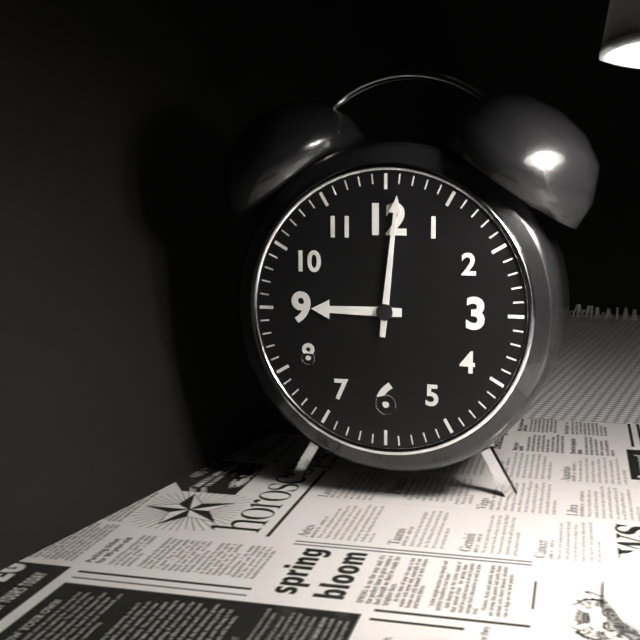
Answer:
9,01
